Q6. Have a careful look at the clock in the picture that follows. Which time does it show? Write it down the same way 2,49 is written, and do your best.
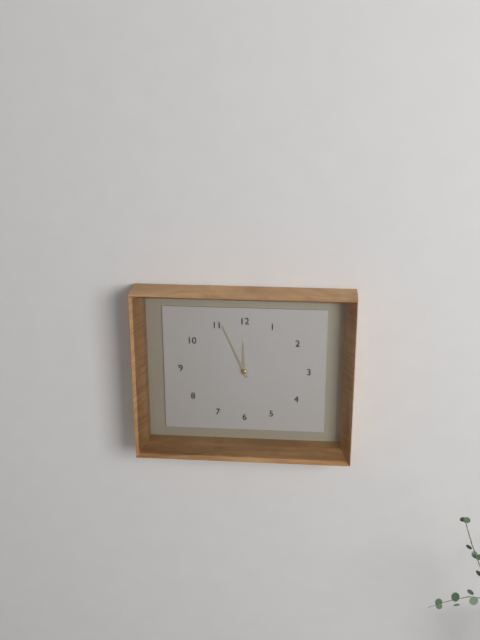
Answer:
11,56
